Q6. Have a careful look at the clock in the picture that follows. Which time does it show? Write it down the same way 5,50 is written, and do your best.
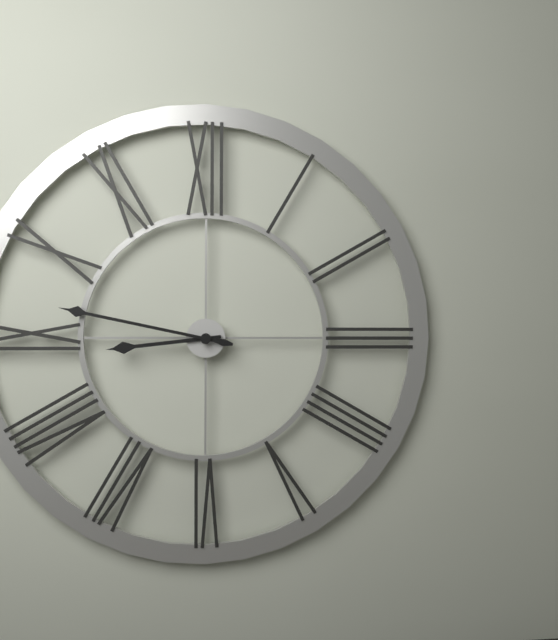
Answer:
8,47
